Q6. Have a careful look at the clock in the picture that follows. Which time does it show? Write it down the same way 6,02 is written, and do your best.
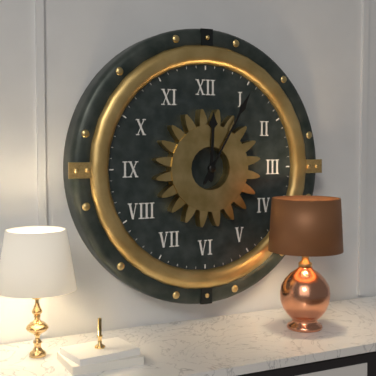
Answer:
12,05
